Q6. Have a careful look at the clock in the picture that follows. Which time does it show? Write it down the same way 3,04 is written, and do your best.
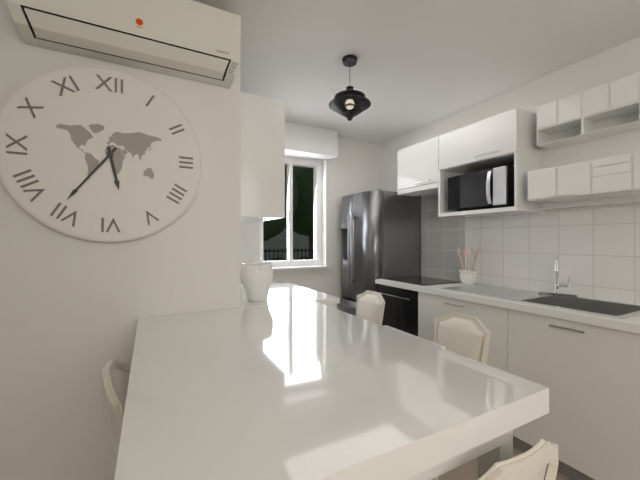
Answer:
5,36
